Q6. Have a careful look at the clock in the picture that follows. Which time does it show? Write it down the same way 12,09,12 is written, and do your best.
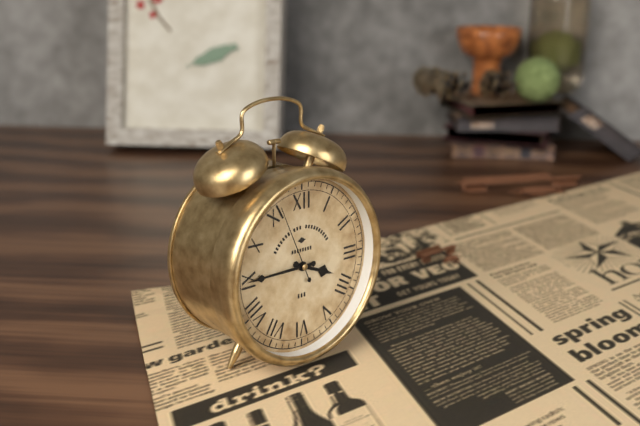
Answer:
3,45,56
